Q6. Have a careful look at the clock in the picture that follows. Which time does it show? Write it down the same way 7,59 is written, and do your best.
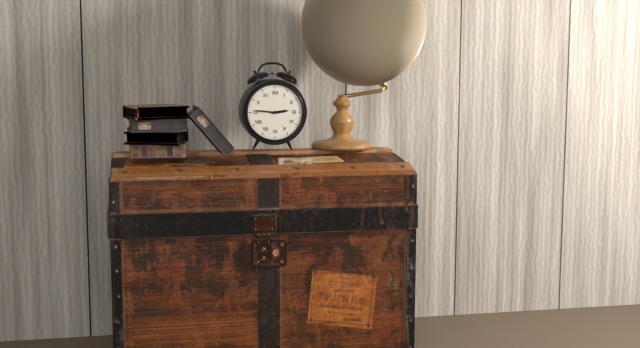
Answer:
2,46
